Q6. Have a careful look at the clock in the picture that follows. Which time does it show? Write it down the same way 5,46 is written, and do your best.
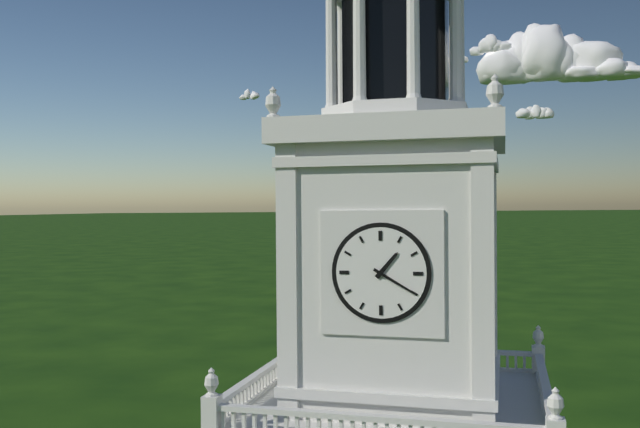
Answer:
1,20
